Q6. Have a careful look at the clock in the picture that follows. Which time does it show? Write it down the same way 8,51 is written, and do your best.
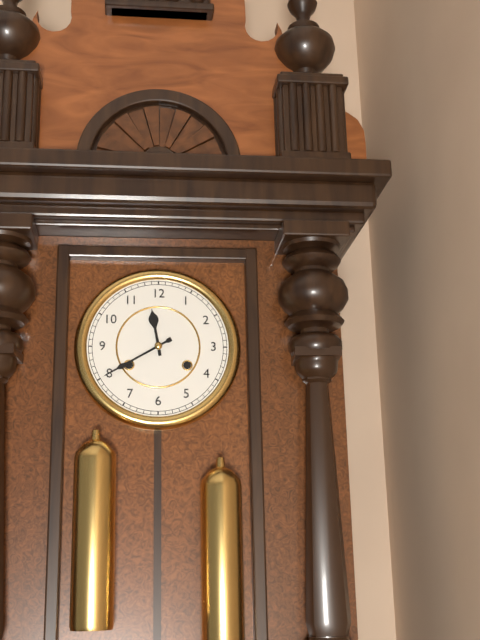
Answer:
11,40
